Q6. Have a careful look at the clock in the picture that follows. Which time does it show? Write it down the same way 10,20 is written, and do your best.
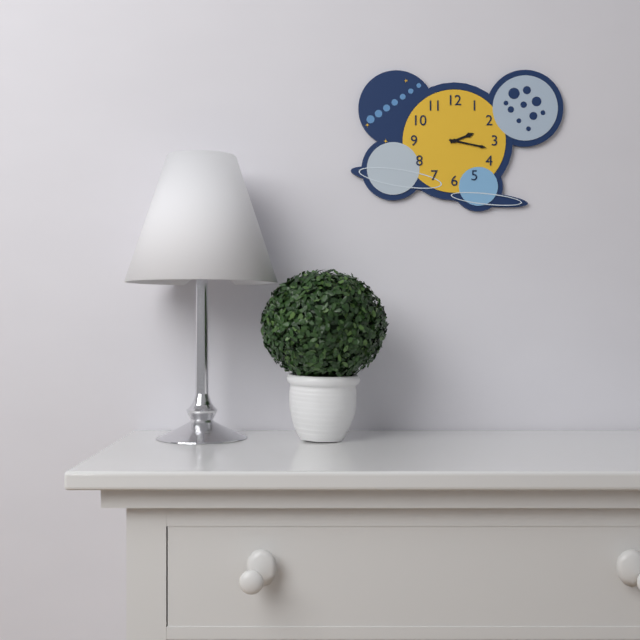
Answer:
2,17
